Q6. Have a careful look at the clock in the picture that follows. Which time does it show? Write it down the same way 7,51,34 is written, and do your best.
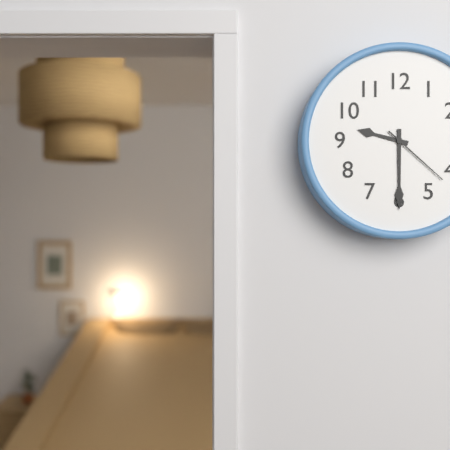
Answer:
9,30,22
